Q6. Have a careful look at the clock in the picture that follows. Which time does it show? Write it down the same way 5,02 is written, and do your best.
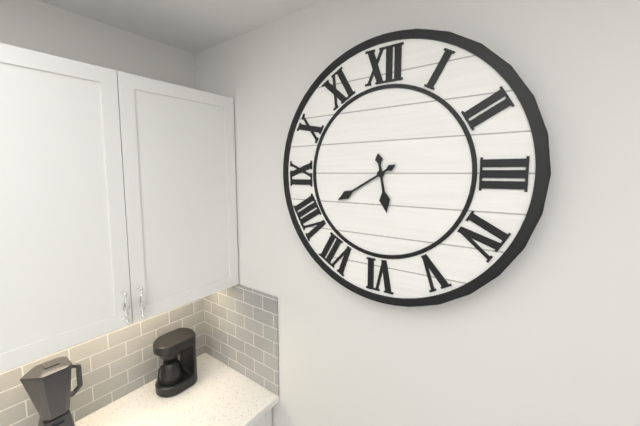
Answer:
5,40
